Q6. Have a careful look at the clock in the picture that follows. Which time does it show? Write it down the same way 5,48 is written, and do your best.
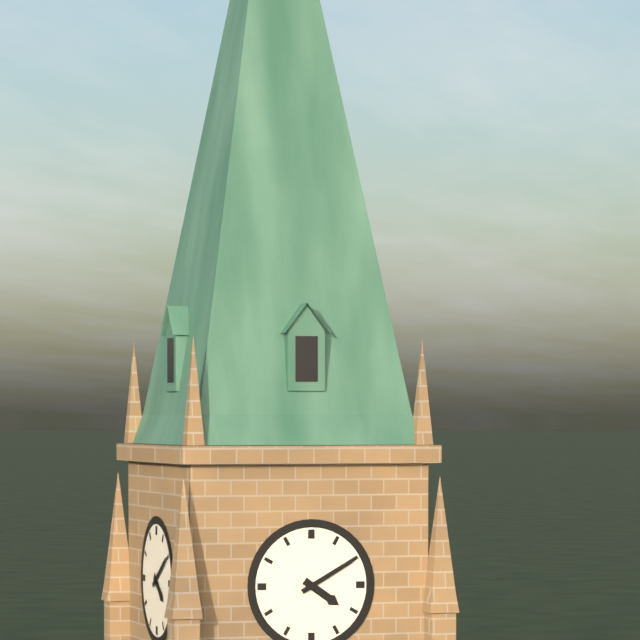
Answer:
4,10
